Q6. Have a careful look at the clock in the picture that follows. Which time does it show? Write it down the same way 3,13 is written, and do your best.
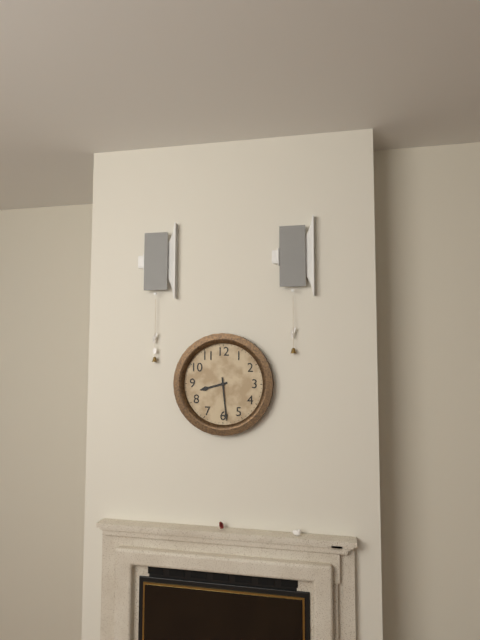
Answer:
8,29
